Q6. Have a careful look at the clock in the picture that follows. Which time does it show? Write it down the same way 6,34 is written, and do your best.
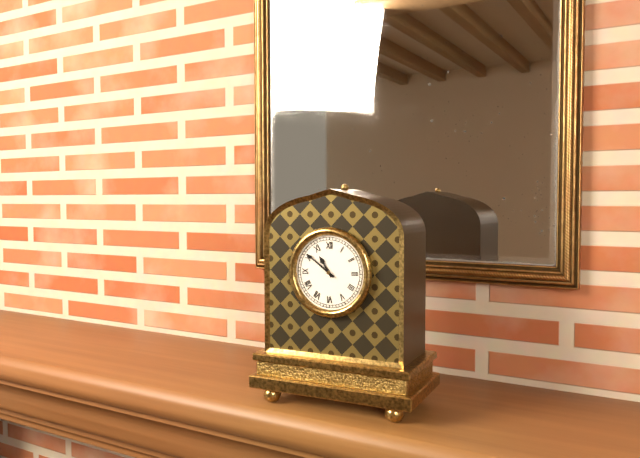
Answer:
10,51
